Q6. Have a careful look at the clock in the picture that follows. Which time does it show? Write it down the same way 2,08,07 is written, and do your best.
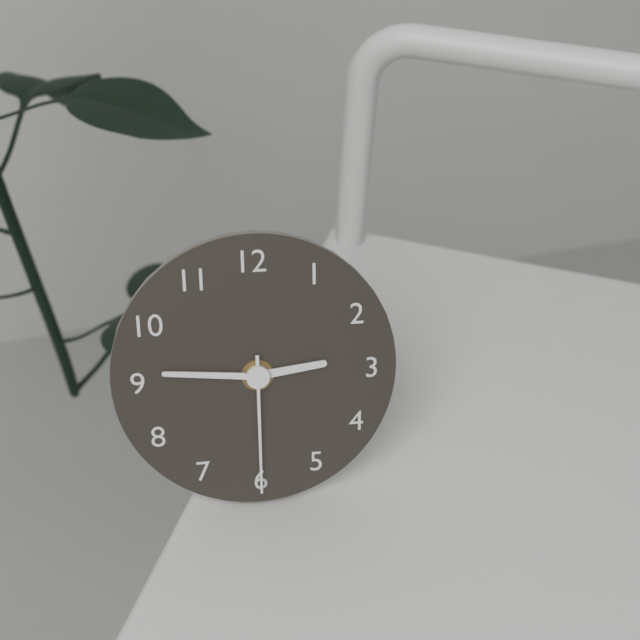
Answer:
2,46,30
